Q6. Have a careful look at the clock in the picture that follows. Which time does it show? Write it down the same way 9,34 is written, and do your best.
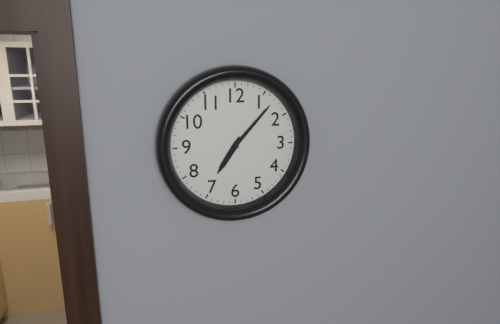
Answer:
7,07
